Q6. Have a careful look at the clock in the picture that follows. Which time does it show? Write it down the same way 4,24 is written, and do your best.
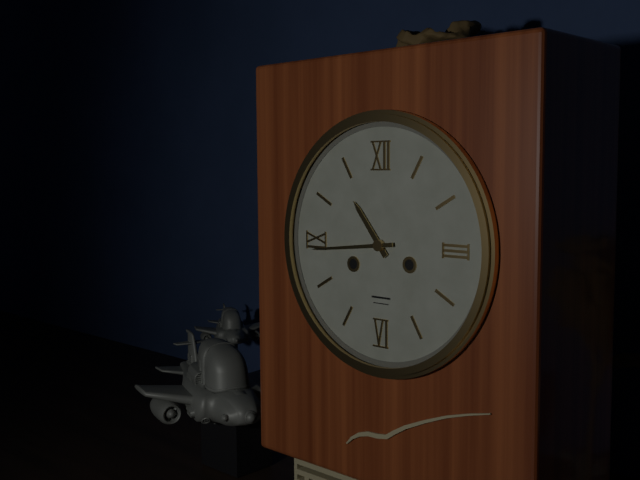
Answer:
10,44
